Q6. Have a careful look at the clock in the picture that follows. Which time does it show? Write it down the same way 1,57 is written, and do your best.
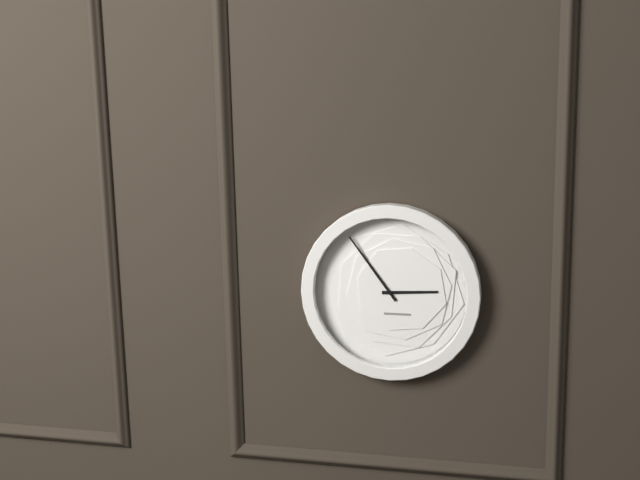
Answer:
2,54
